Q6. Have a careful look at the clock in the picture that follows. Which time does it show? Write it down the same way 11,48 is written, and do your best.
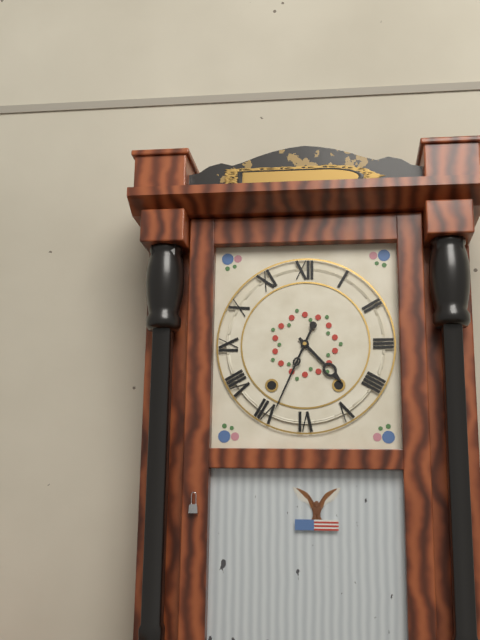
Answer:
4,34
